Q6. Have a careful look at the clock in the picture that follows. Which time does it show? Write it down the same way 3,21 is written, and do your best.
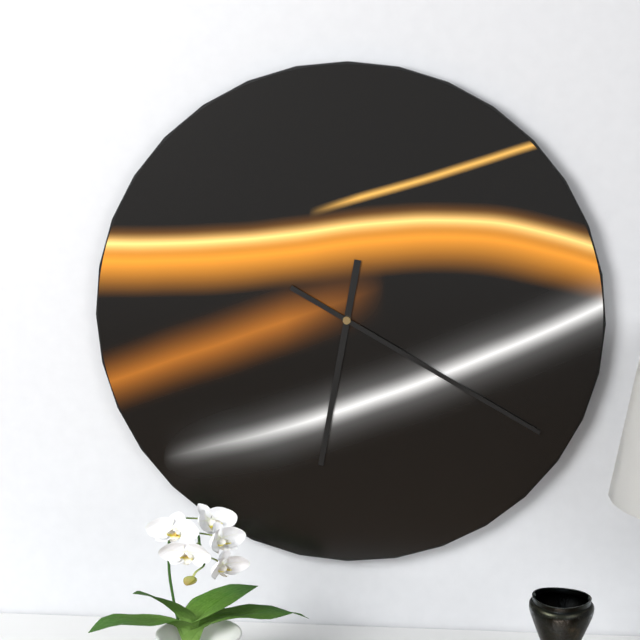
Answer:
6,20
